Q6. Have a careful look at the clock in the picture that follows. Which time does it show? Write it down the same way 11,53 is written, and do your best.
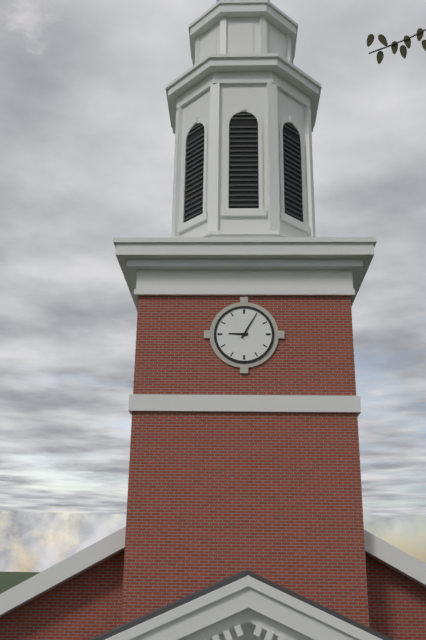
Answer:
9,05
